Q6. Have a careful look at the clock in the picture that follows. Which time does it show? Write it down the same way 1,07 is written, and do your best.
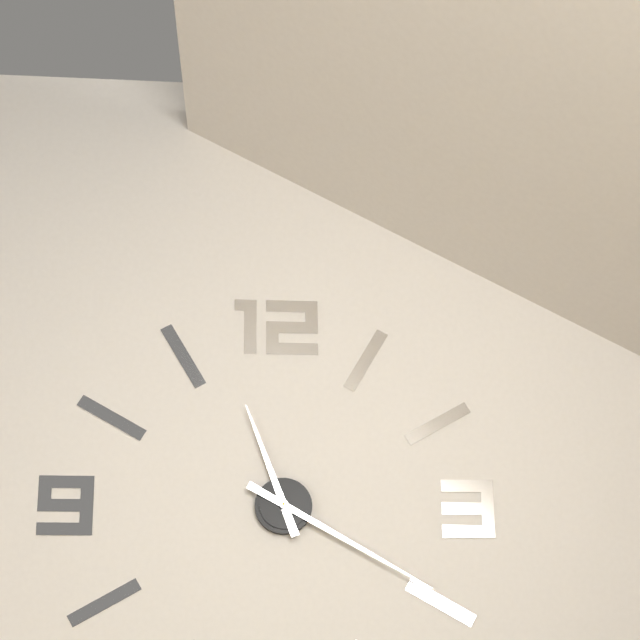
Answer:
11,20
